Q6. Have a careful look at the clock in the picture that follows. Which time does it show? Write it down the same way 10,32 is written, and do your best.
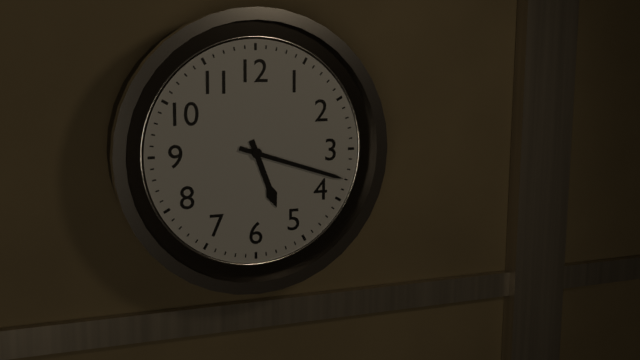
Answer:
5,18
